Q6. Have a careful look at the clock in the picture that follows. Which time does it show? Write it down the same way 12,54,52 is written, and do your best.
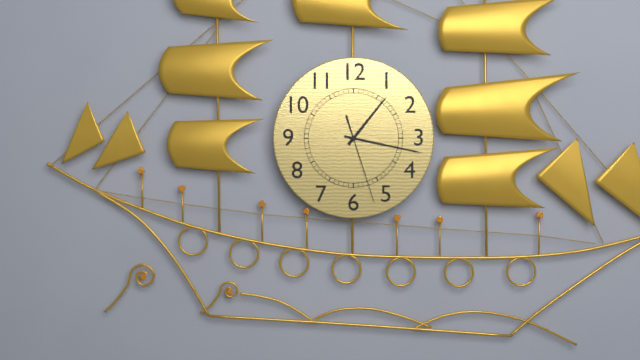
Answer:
1,17,27
